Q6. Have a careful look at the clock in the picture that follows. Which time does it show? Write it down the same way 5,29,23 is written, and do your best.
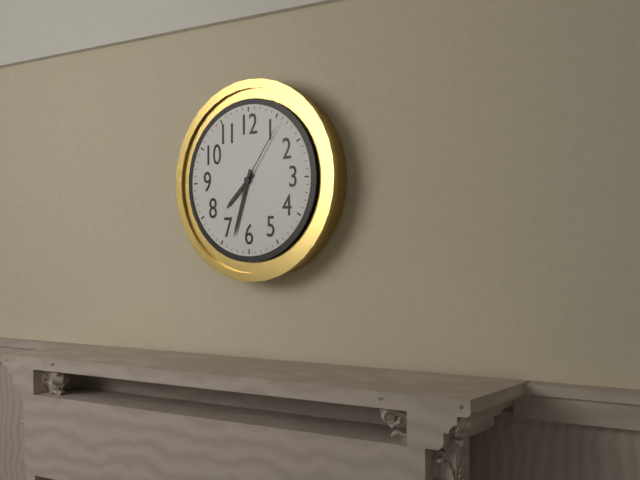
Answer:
7,33,06
